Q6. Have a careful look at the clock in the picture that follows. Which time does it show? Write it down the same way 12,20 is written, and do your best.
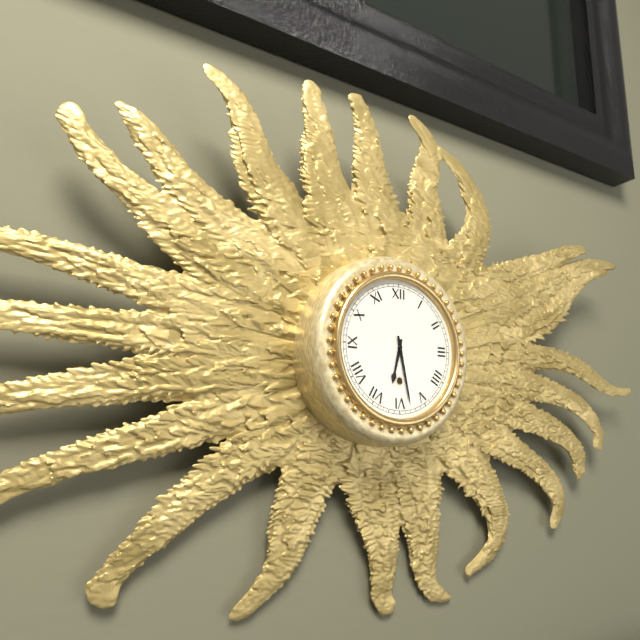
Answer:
6,28
